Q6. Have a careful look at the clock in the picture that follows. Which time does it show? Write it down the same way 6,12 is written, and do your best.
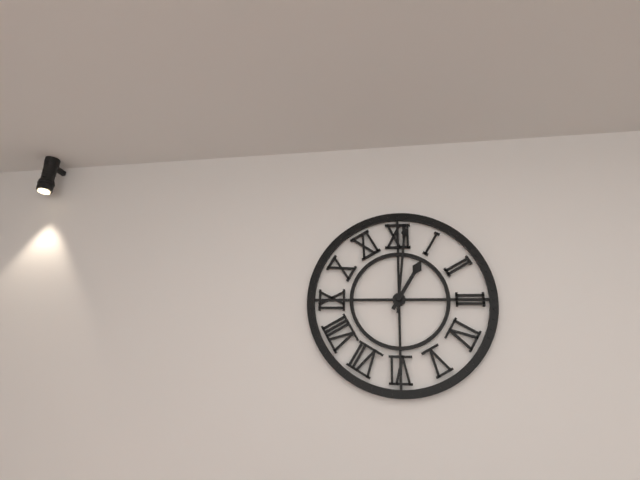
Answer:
1,01
